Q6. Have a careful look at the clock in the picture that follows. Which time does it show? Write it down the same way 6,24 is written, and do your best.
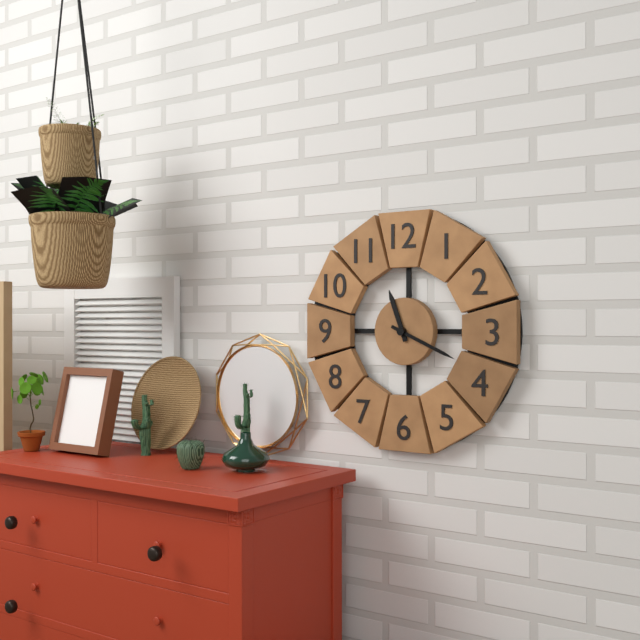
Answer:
11,19
